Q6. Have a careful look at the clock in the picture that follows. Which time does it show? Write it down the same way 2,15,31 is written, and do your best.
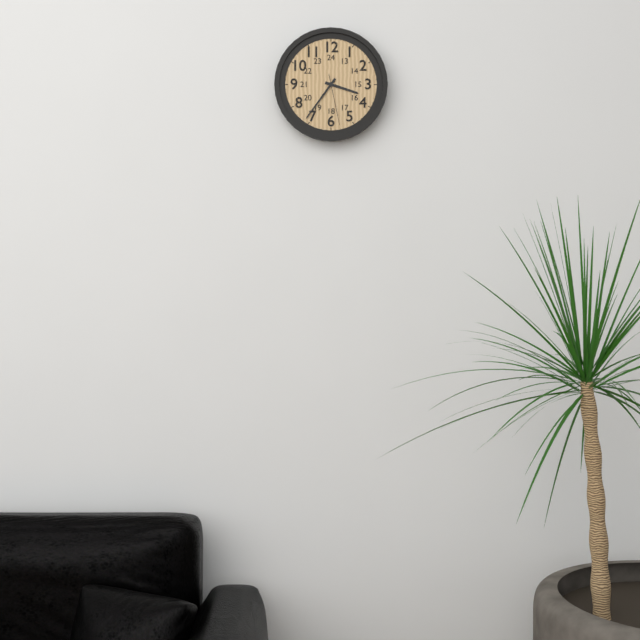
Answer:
3,36,28
